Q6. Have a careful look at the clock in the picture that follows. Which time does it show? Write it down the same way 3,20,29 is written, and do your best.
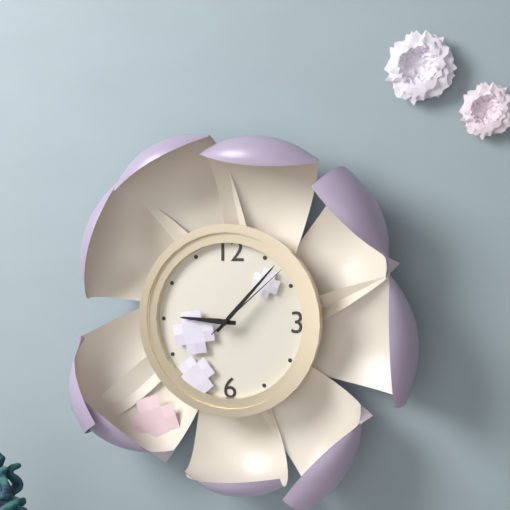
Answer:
9,07,08
